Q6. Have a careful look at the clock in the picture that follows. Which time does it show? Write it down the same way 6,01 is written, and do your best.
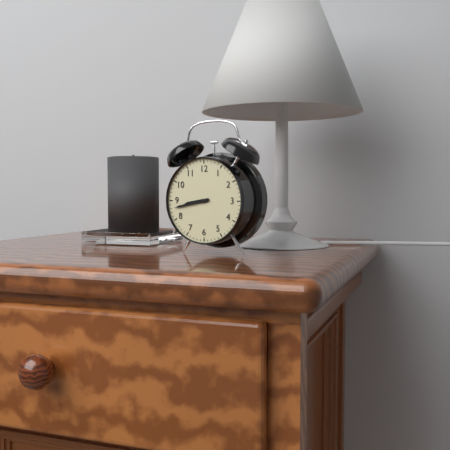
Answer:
8,43
